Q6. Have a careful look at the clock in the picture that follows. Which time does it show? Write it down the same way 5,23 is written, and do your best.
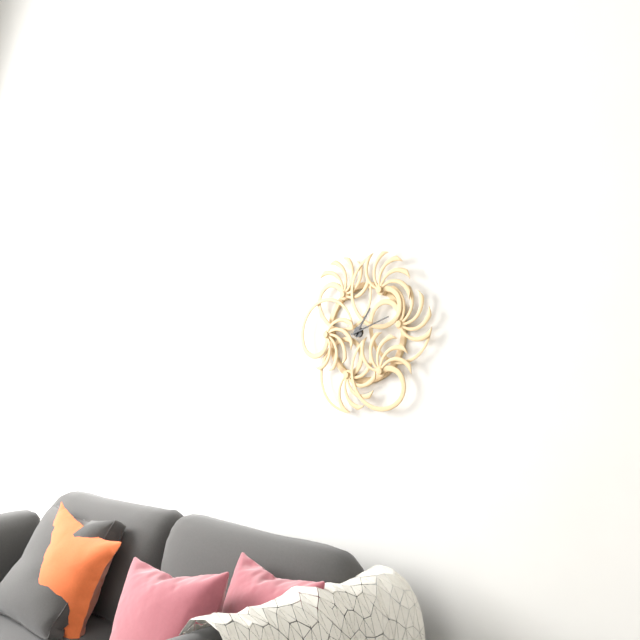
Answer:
1,12
